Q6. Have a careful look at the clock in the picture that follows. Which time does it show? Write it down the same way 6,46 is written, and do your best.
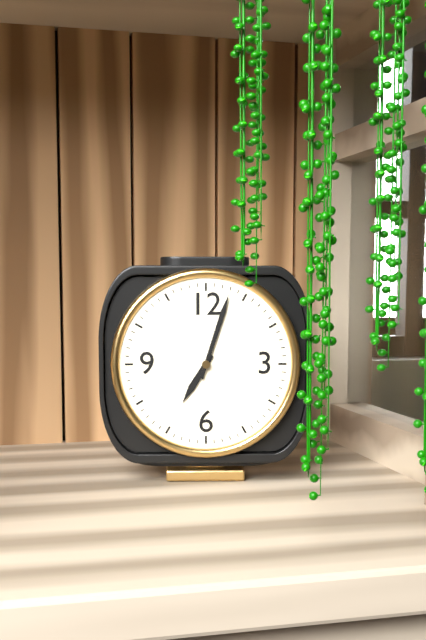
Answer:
7,03
